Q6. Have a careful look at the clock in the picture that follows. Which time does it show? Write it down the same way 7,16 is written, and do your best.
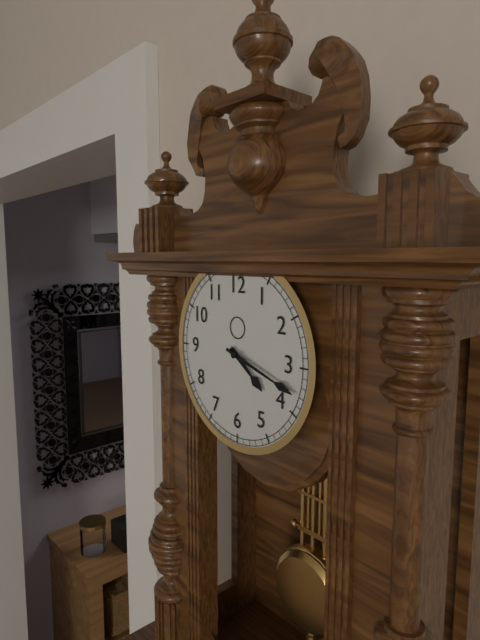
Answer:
4,18
